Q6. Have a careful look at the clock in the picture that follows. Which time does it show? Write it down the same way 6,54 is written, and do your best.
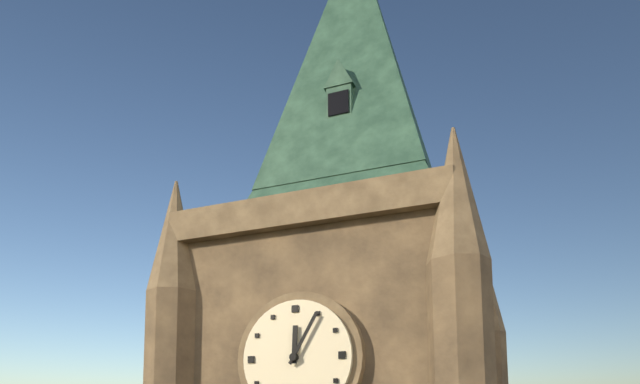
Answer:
12,05
